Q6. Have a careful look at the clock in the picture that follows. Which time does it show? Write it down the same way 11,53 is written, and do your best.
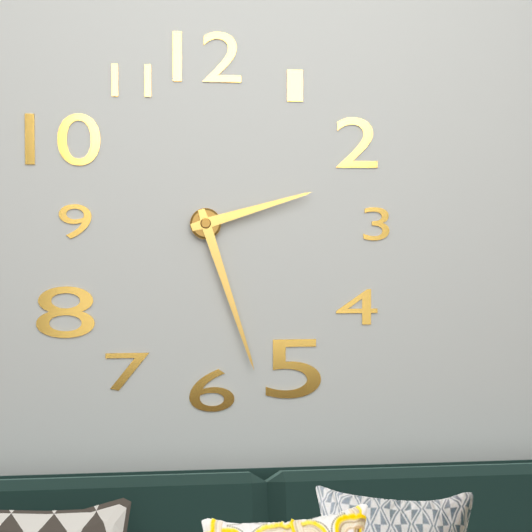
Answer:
2,27
